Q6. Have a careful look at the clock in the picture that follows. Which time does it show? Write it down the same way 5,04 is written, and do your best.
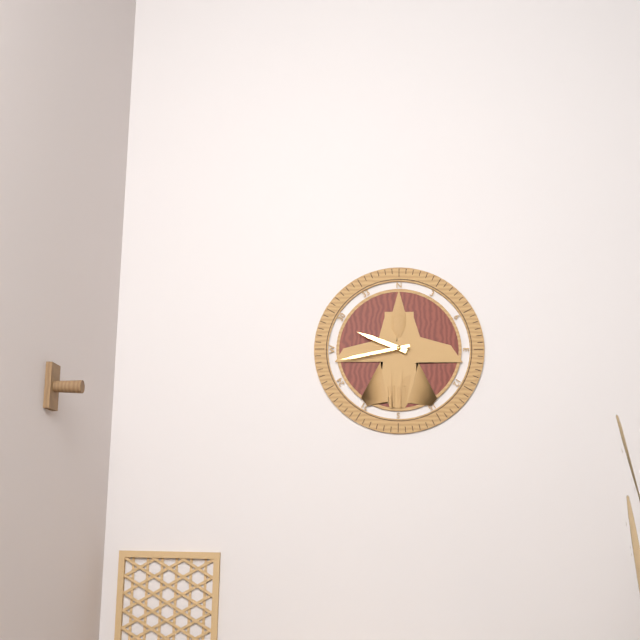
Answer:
9,43
